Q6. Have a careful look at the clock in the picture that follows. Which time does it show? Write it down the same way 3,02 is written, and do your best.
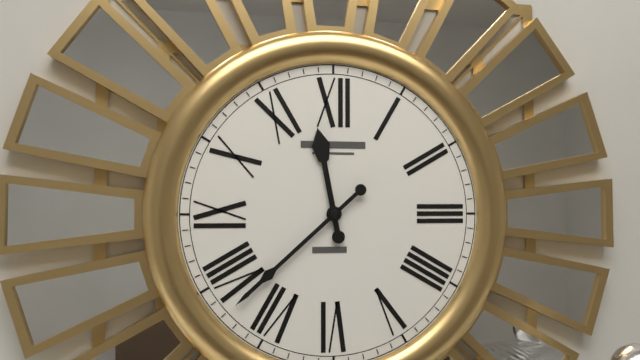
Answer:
11,38
